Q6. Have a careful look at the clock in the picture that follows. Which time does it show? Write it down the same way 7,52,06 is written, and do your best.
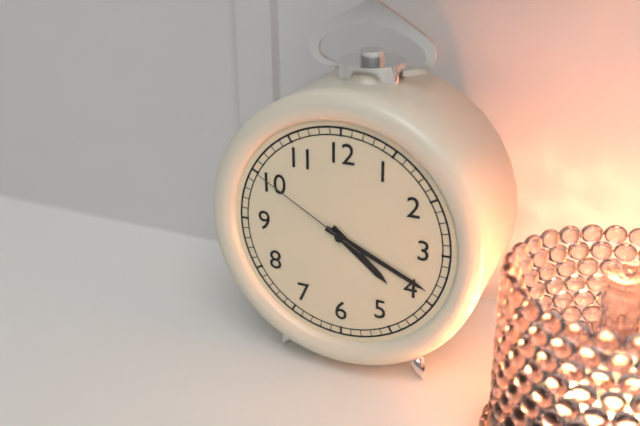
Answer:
4,19,50
